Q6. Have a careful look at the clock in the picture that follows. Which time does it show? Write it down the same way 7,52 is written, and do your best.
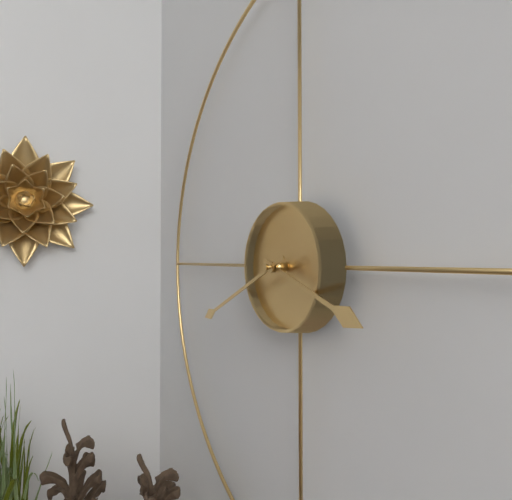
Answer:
3,41
